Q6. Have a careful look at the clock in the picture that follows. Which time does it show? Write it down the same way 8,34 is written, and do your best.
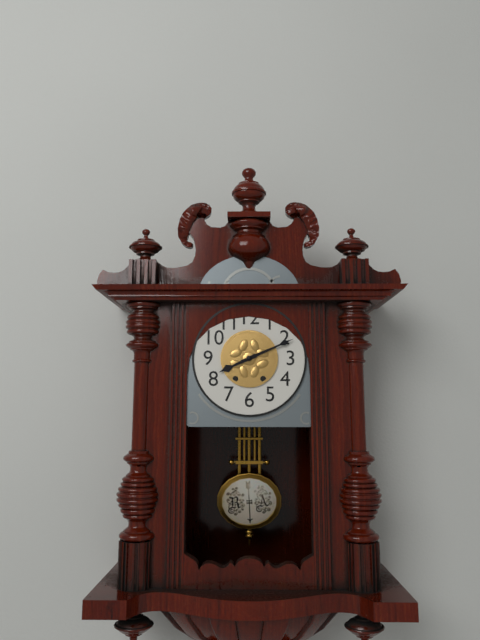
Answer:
8,11
